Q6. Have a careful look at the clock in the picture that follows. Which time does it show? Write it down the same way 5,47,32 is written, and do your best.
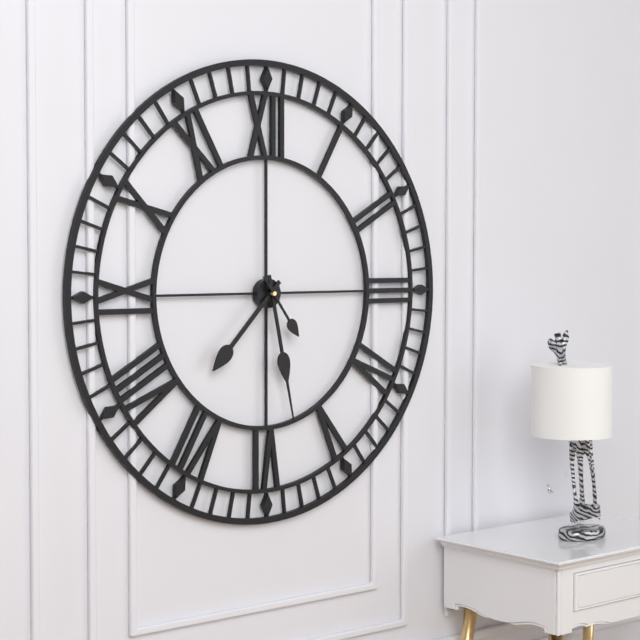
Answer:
7,28,24
